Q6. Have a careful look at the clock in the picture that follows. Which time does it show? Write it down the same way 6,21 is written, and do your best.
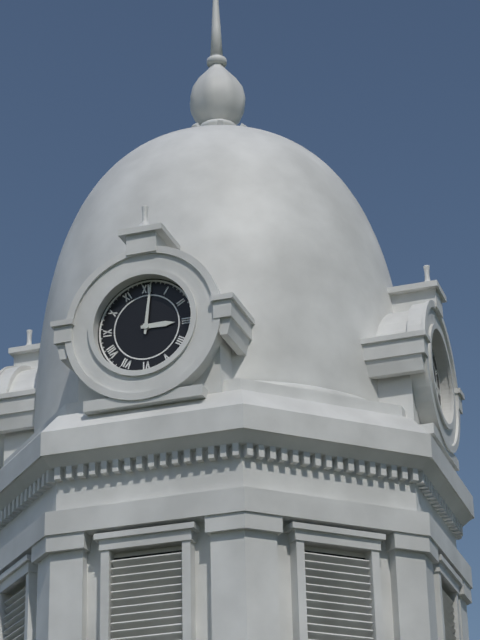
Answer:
3,01
